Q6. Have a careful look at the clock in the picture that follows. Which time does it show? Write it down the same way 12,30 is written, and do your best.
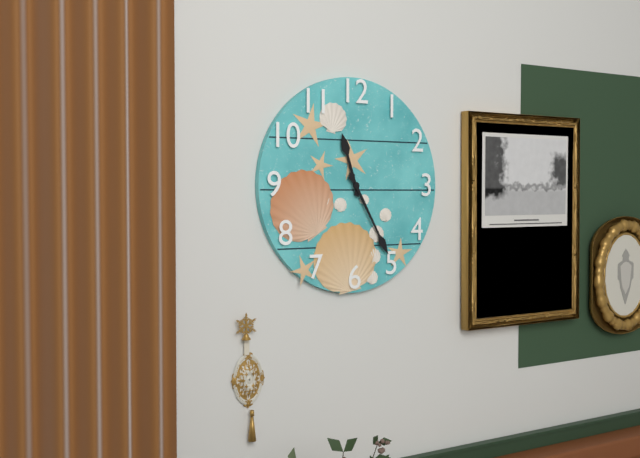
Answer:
11,25
